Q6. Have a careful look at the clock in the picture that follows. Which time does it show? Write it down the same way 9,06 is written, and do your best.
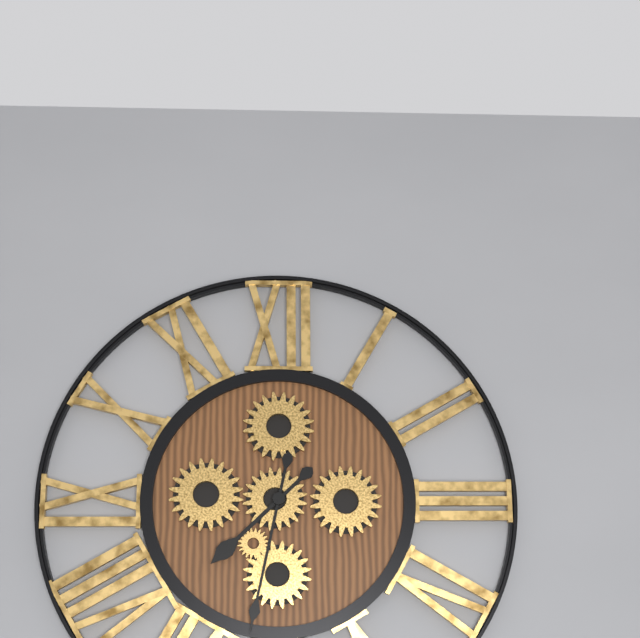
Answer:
7,32
